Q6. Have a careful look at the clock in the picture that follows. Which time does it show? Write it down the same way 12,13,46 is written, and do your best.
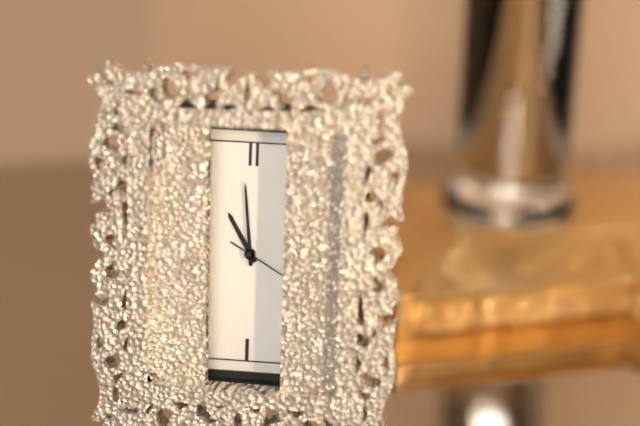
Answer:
10,59,20
